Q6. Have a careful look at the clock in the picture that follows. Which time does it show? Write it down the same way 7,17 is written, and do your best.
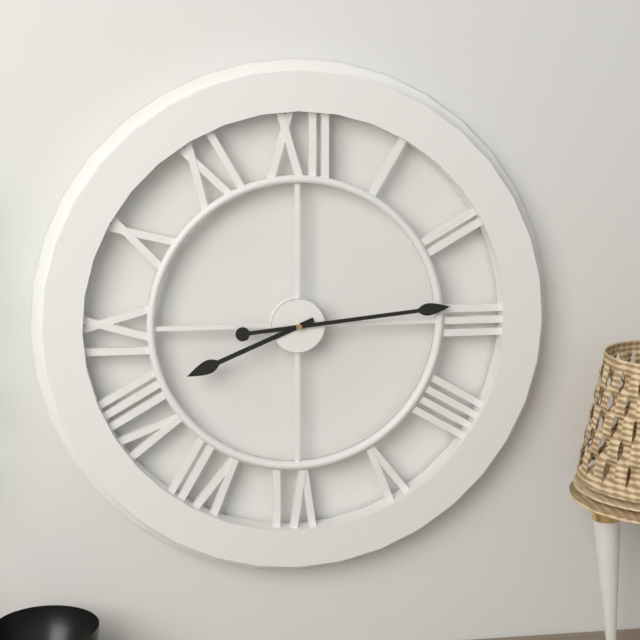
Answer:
8,14
